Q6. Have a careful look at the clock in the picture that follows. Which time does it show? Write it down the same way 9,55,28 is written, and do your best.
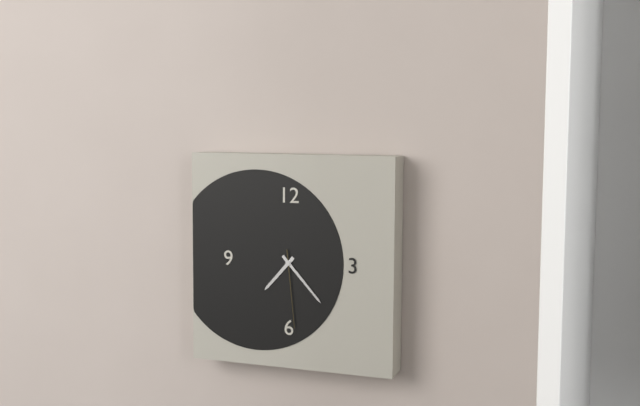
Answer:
7,23,29
